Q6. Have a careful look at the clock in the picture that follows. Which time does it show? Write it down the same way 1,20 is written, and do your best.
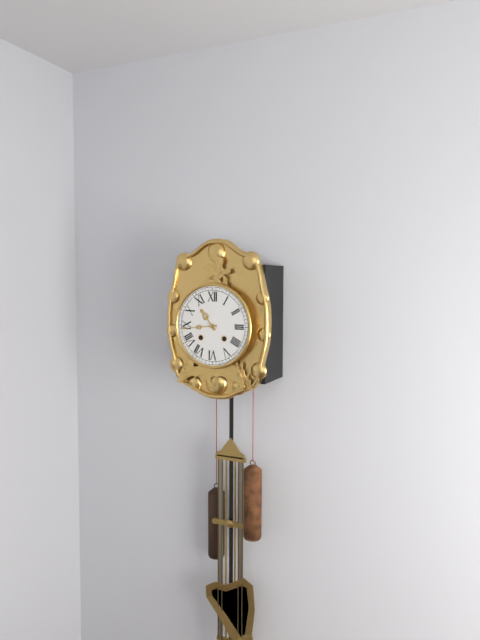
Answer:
10,44
